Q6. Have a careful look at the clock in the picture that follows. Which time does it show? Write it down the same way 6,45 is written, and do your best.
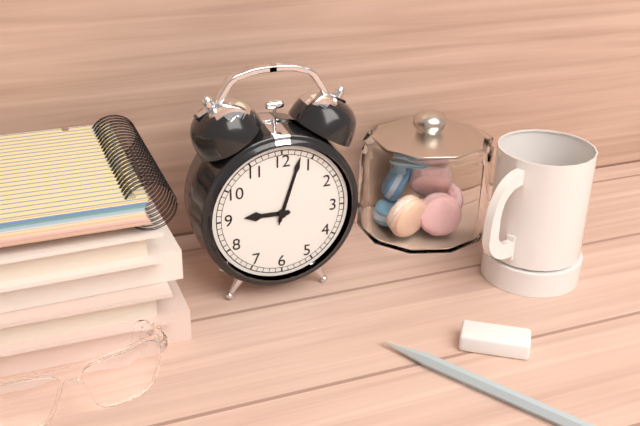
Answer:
9,03
